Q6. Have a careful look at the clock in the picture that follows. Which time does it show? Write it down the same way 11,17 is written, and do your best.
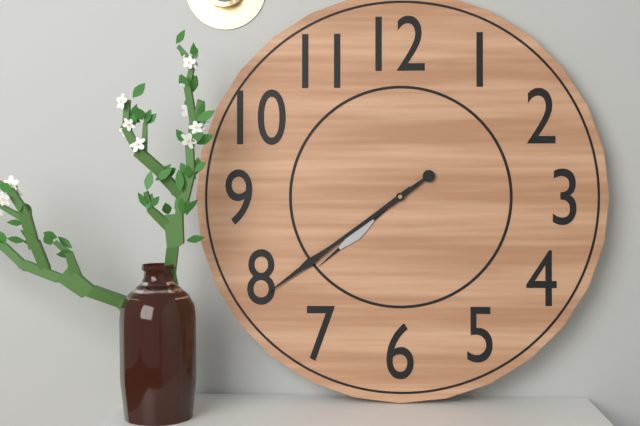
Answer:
7,39
